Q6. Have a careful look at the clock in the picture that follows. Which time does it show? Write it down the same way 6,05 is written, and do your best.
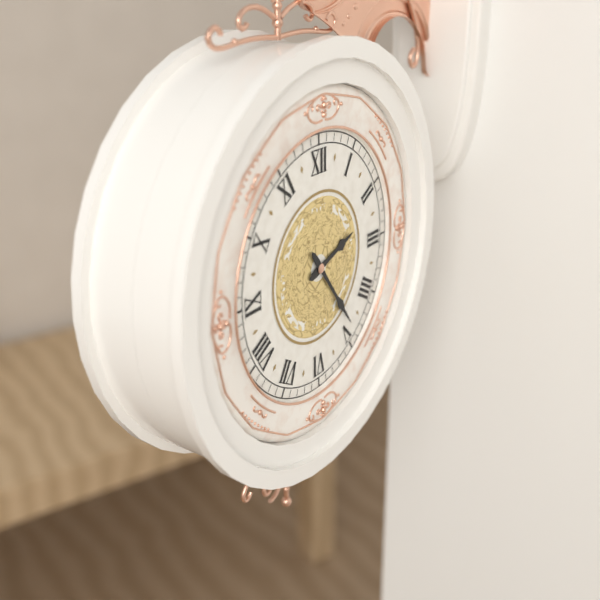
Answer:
2,24
